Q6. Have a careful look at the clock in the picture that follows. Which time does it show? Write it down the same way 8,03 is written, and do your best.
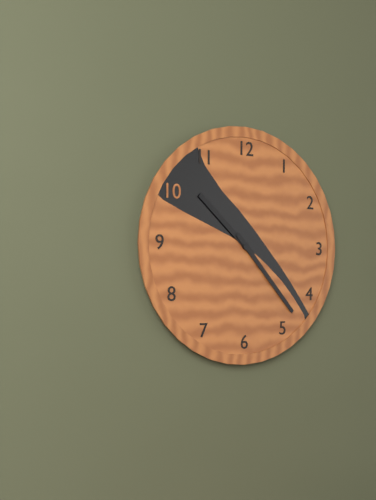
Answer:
10,23
